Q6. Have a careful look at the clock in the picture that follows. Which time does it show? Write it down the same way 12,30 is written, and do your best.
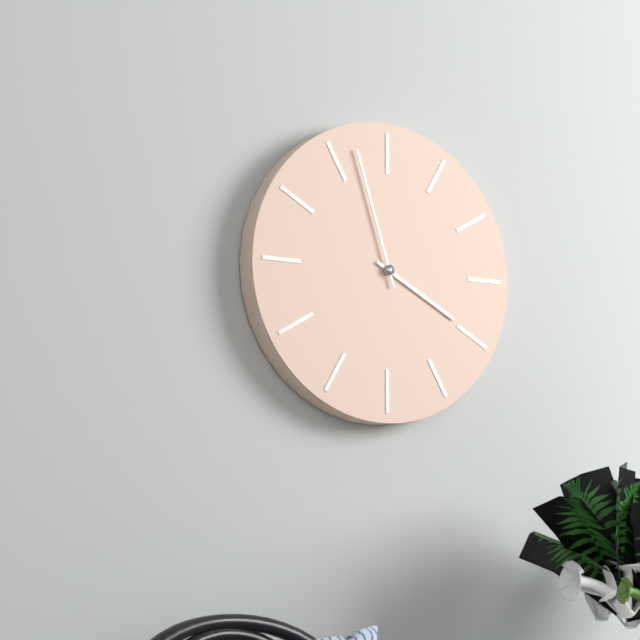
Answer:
3,57
